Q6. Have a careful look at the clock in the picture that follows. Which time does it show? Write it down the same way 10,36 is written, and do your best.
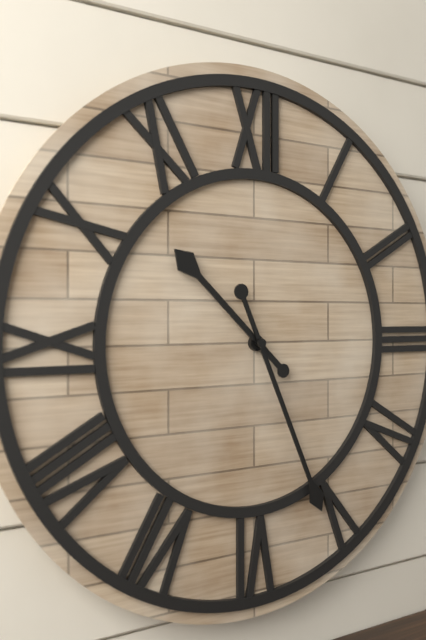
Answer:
10,26
